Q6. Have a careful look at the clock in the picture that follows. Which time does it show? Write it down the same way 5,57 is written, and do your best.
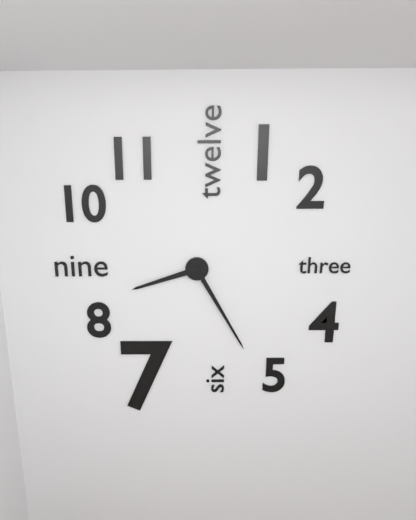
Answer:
8,25
